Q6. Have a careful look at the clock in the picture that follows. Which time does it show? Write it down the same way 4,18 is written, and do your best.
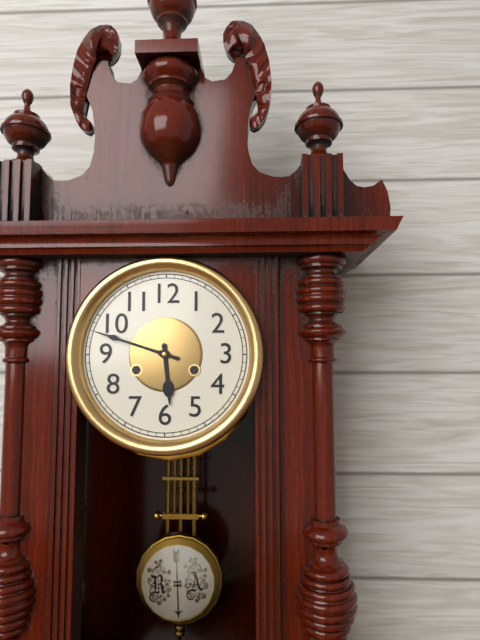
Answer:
5,48
